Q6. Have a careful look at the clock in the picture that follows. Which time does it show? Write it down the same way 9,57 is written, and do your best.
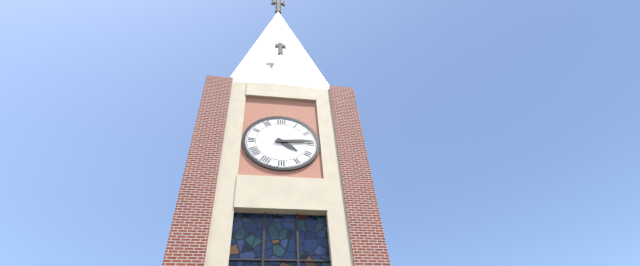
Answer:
4,14
